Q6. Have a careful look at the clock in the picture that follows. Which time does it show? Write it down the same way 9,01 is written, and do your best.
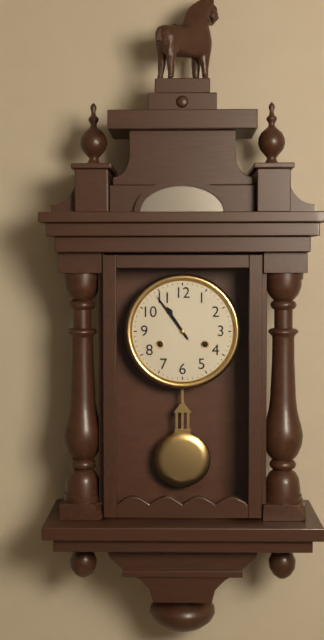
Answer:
10,54
